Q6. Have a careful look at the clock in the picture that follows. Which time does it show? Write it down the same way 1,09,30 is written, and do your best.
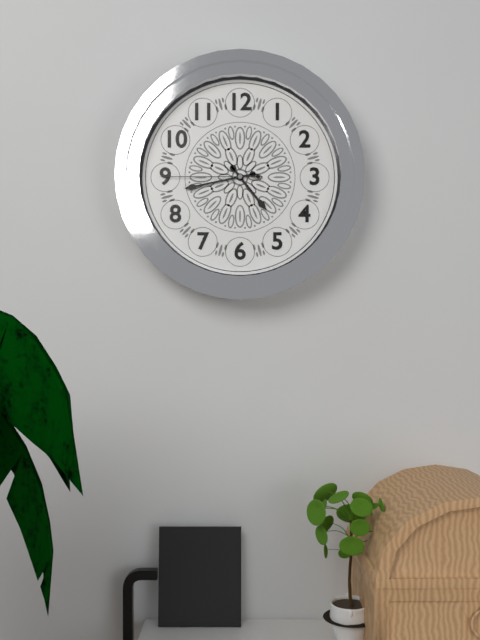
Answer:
4,43,45
